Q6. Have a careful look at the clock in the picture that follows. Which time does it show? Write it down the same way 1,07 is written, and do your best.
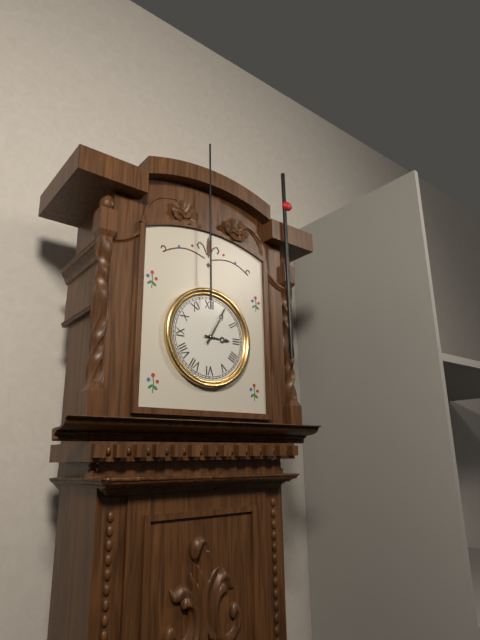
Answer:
3,05
